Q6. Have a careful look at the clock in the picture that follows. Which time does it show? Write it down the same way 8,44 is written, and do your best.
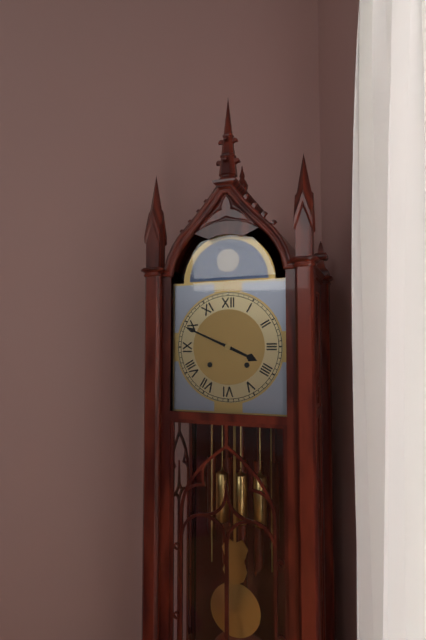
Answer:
3,49
